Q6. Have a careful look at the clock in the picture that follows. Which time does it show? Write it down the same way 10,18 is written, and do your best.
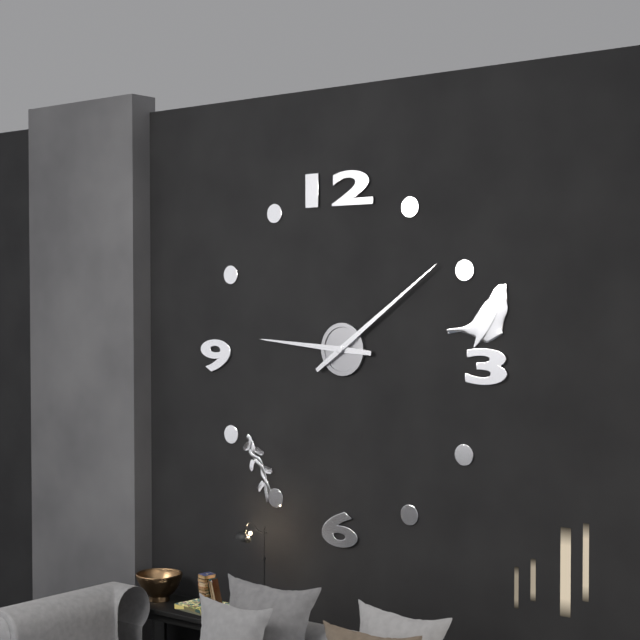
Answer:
9,09
